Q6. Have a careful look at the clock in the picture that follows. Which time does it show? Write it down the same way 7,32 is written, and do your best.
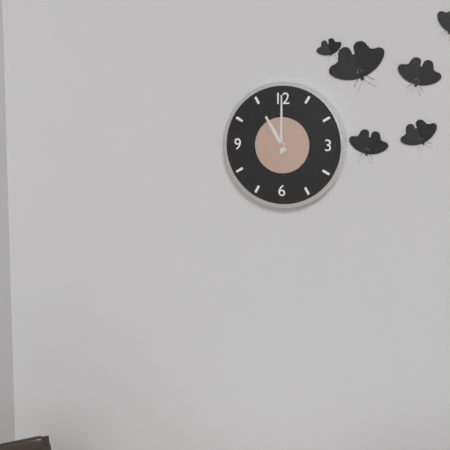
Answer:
11,00
